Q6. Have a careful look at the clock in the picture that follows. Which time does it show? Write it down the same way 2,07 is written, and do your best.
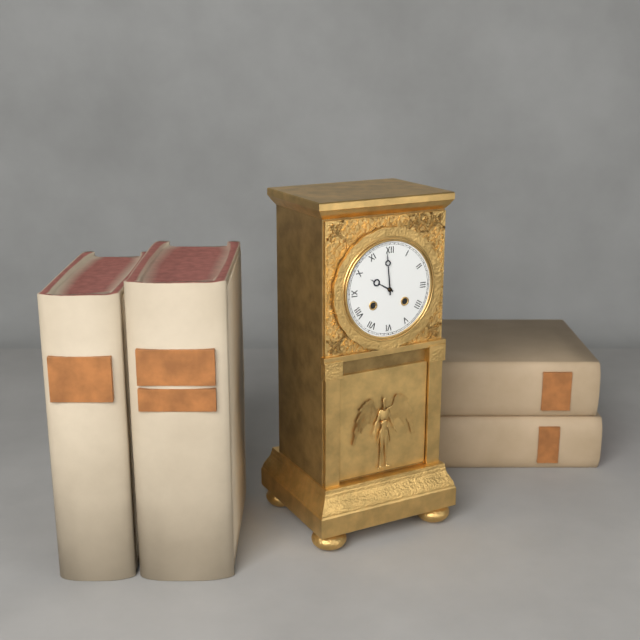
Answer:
9,59
